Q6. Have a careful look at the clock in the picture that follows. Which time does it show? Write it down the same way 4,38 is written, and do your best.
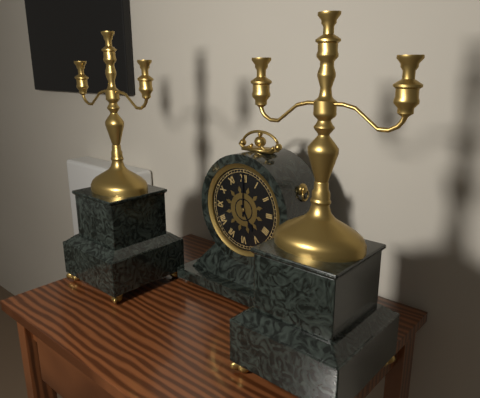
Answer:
5,00
